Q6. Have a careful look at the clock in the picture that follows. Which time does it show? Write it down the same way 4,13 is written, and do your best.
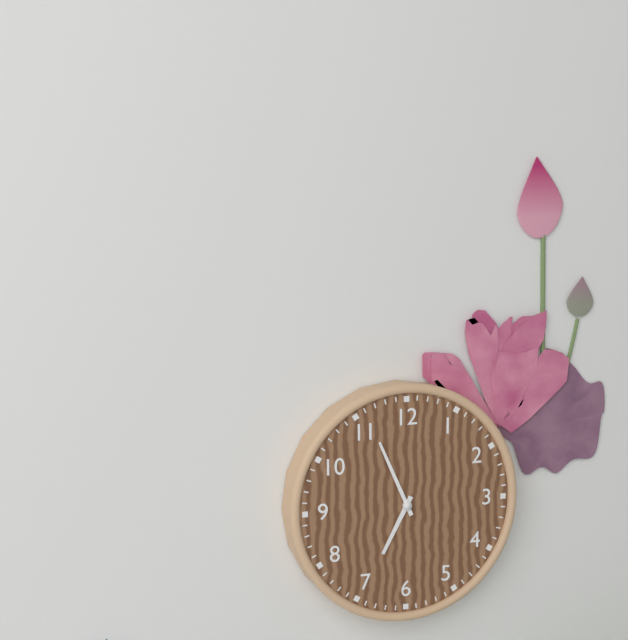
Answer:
6,56
